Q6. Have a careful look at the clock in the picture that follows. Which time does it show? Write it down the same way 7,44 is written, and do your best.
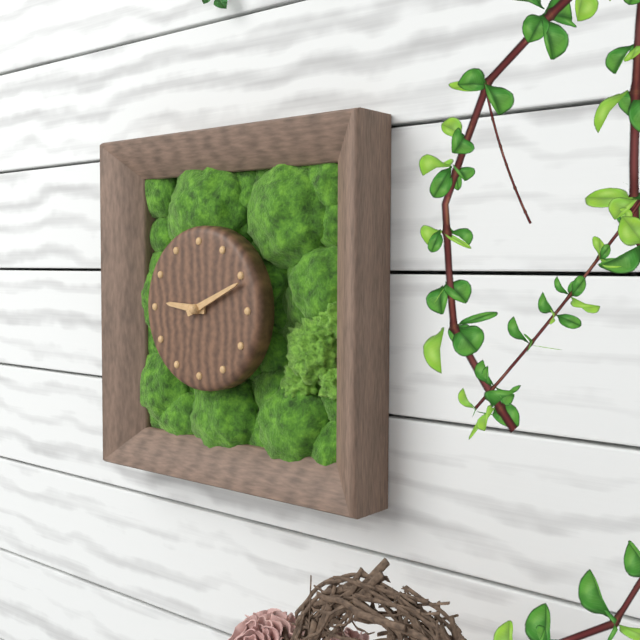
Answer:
9,11
